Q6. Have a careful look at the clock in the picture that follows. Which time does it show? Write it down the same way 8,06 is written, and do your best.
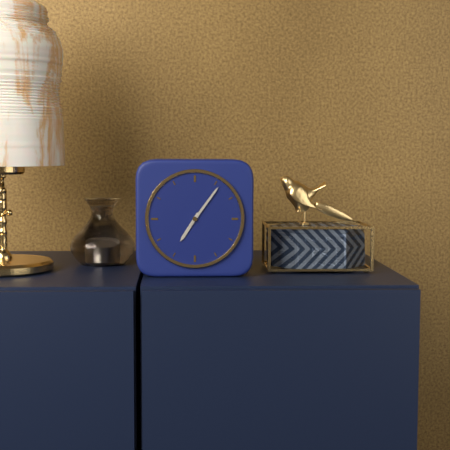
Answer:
7,06
